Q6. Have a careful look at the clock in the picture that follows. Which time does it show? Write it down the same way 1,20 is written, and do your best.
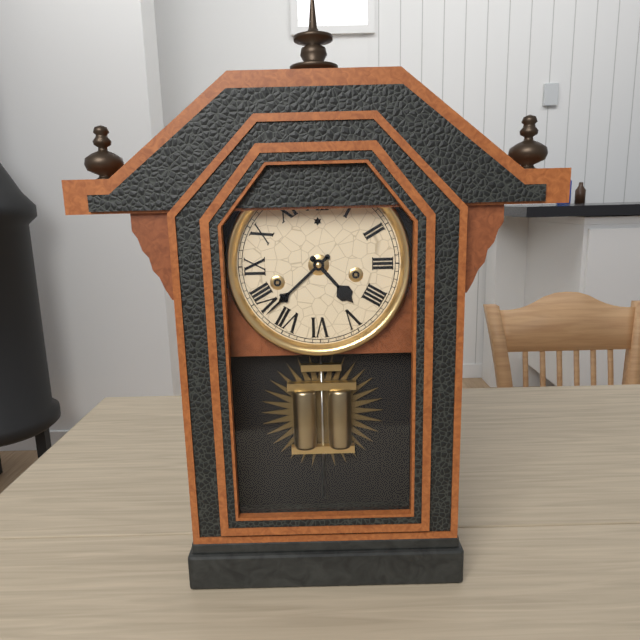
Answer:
4,38
